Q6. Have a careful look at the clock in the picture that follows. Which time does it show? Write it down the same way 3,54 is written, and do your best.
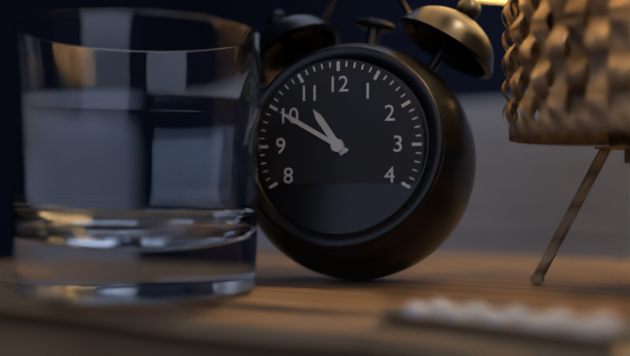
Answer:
10,50
